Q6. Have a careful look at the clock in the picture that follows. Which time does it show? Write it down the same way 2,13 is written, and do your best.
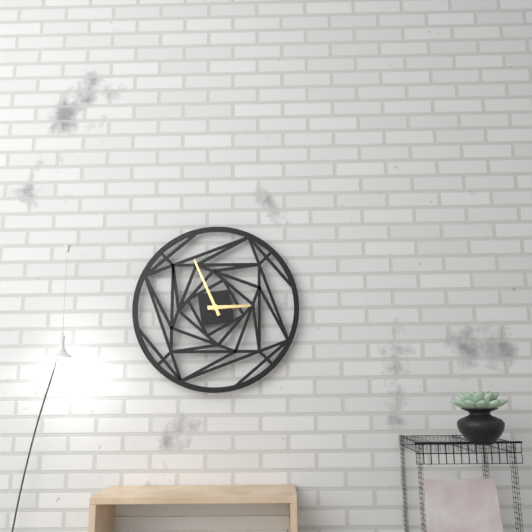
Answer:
2,56
